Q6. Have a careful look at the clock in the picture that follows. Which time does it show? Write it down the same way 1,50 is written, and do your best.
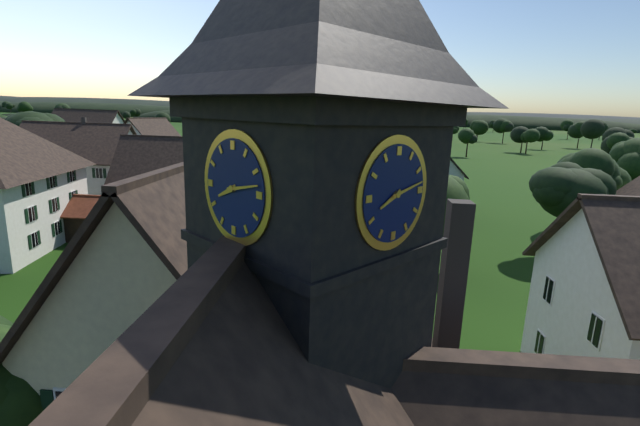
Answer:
8,13
